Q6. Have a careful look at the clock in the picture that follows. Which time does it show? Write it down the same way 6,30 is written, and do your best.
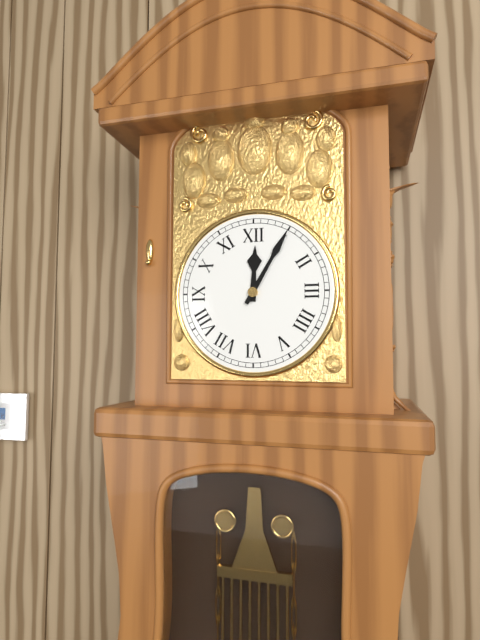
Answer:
12,05
